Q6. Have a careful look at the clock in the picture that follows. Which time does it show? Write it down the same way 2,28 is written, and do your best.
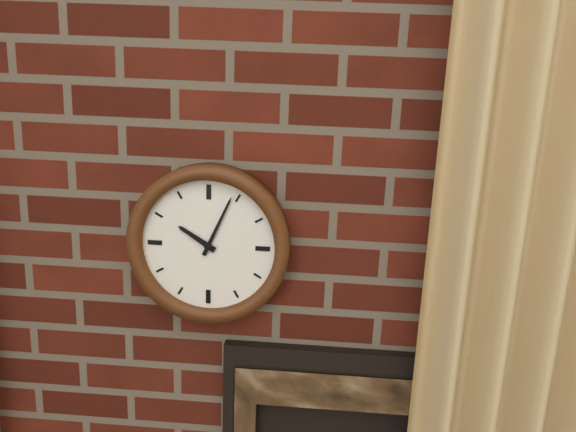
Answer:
10,04
